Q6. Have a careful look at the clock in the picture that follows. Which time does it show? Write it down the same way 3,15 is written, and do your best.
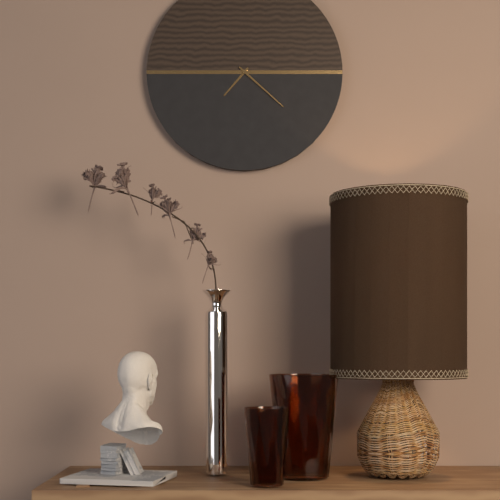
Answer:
7,22
